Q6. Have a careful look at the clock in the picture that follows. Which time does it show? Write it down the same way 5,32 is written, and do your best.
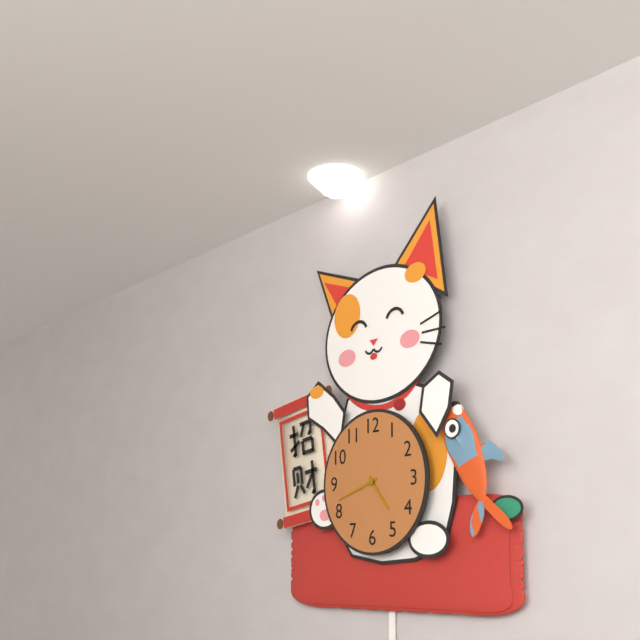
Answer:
4,42
